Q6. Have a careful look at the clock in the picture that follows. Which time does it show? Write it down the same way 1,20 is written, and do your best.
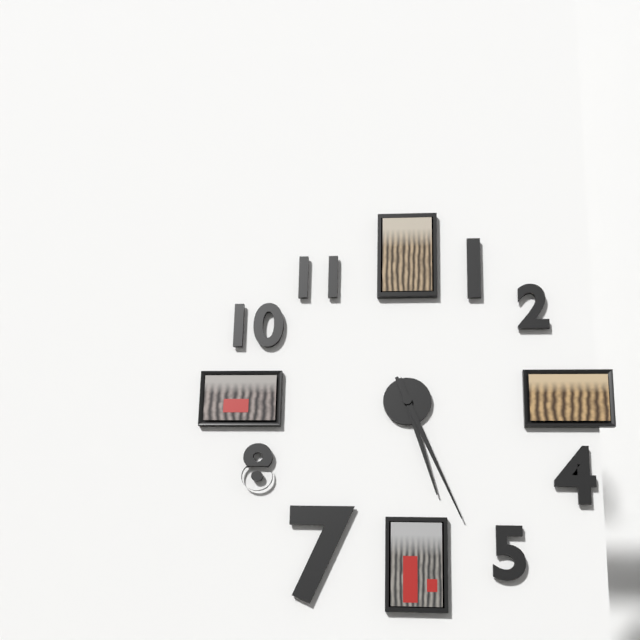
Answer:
5,26
